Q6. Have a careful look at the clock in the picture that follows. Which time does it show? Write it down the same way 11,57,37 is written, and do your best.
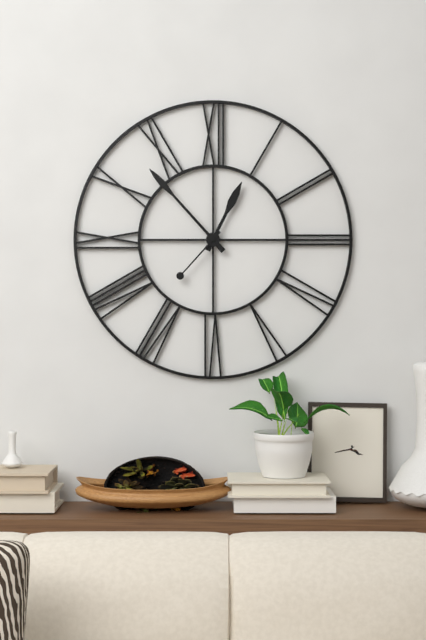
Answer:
12,53,37
